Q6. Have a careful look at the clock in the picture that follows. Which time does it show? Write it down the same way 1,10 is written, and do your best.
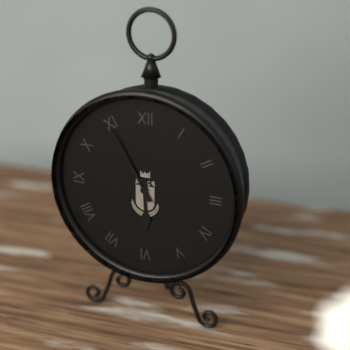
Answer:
5,55
